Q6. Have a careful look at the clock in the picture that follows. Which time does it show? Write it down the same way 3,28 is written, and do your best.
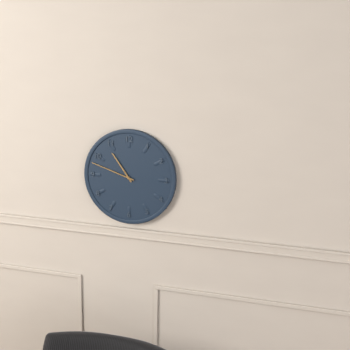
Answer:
10,48
